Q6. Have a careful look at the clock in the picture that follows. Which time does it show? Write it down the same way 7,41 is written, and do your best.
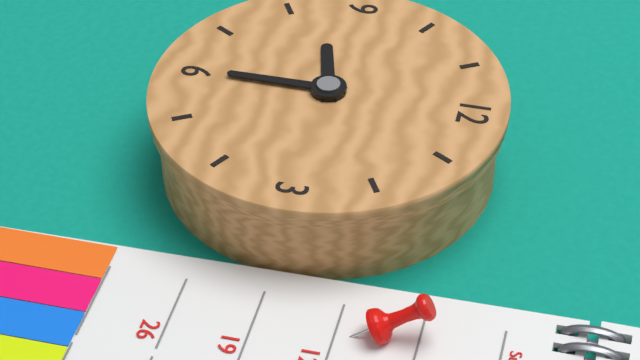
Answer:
8,30
